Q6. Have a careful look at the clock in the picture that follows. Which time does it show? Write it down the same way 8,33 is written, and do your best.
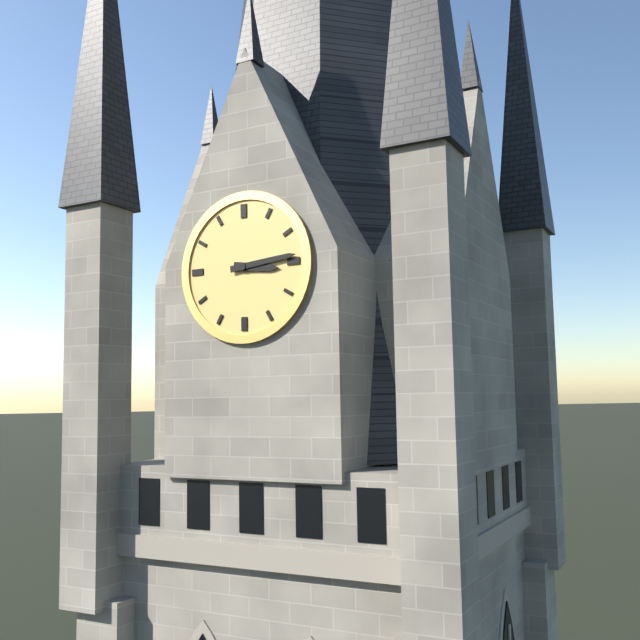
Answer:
3,14
